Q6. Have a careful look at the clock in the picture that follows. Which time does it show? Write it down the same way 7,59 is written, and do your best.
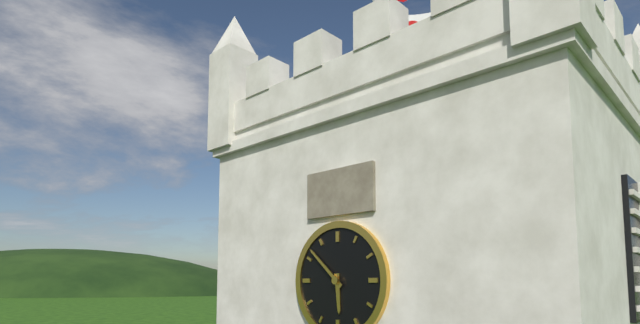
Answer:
5,52
